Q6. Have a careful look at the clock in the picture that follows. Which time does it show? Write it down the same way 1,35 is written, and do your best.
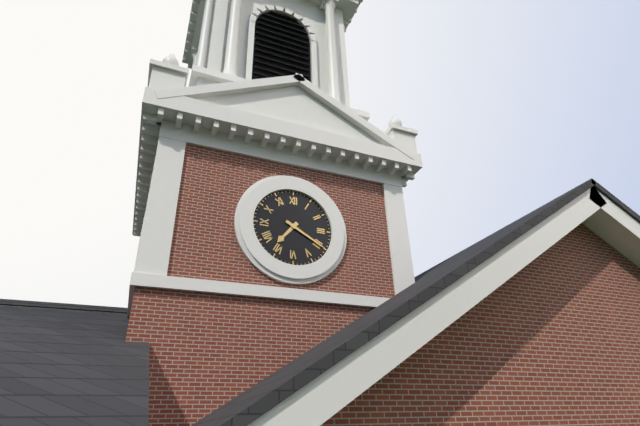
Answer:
7,20
